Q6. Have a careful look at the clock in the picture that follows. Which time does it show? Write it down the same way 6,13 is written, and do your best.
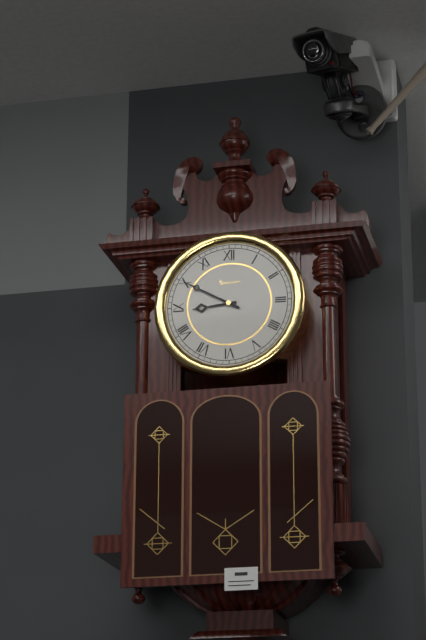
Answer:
8,50
